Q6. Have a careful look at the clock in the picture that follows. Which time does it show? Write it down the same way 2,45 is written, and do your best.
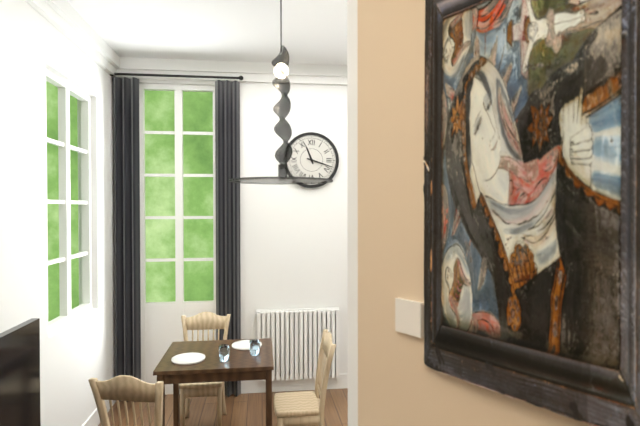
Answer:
11,18
